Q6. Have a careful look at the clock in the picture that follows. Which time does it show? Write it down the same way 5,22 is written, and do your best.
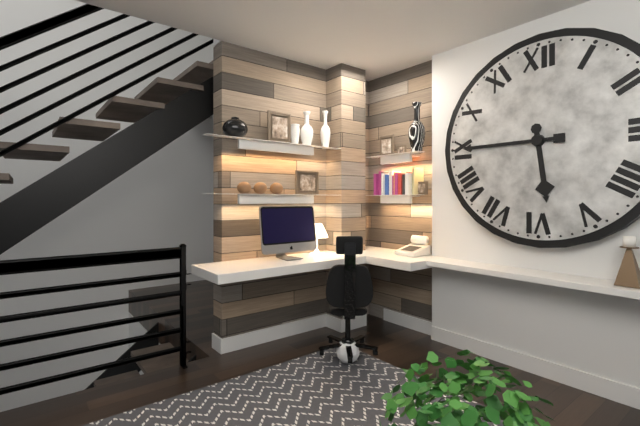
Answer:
5,45
